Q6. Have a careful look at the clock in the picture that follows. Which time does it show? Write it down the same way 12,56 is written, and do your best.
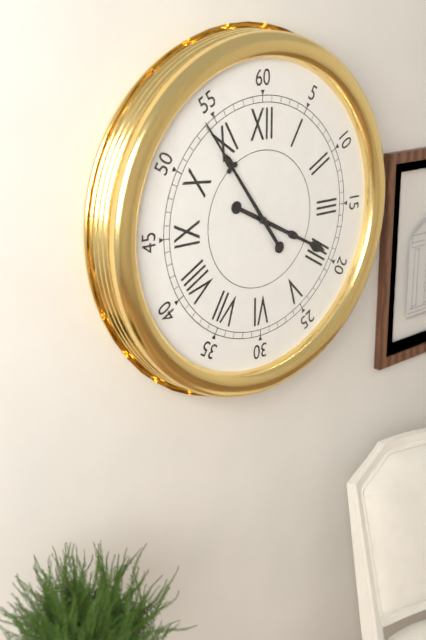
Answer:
3,54
